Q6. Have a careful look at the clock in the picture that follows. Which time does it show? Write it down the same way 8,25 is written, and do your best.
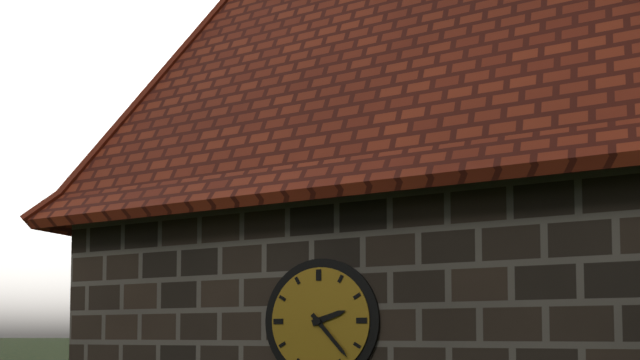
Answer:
2,23
